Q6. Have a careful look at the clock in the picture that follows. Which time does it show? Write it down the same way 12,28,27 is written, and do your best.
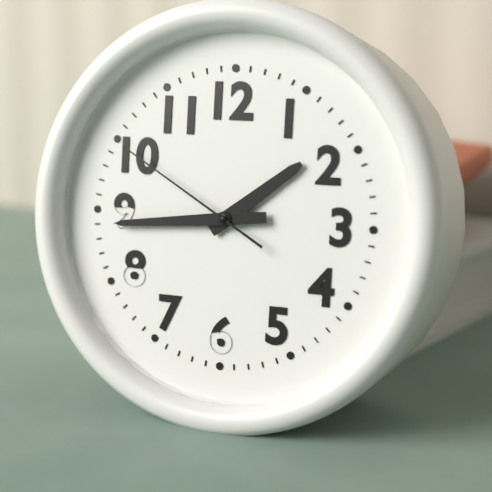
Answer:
1,44,50
